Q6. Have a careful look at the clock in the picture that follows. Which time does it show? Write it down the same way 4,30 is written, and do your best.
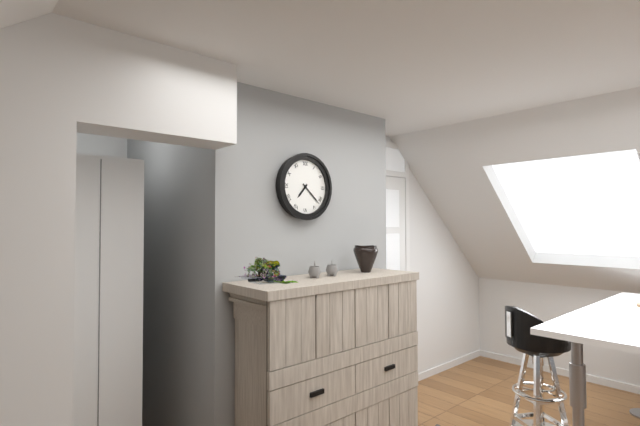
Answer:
7,22
